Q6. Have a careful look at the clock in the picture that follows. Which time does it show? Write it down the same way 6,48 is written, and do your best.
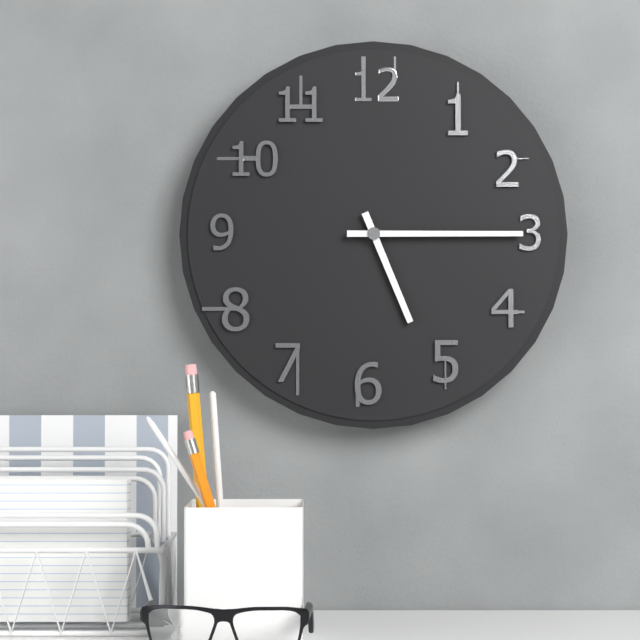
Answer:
5,15
